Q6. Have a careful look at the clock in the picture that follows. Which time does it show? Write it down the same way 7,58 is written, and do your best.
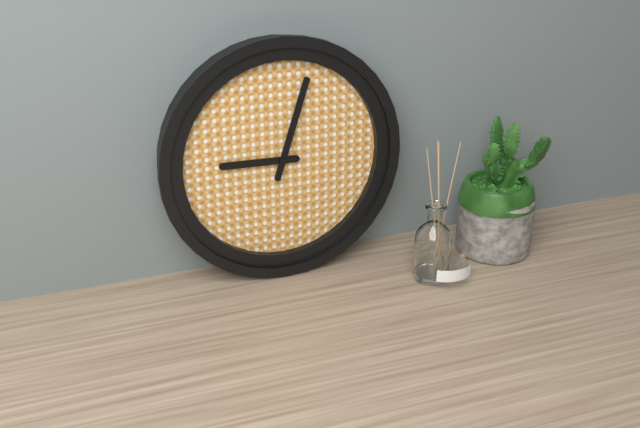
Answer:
9,03
